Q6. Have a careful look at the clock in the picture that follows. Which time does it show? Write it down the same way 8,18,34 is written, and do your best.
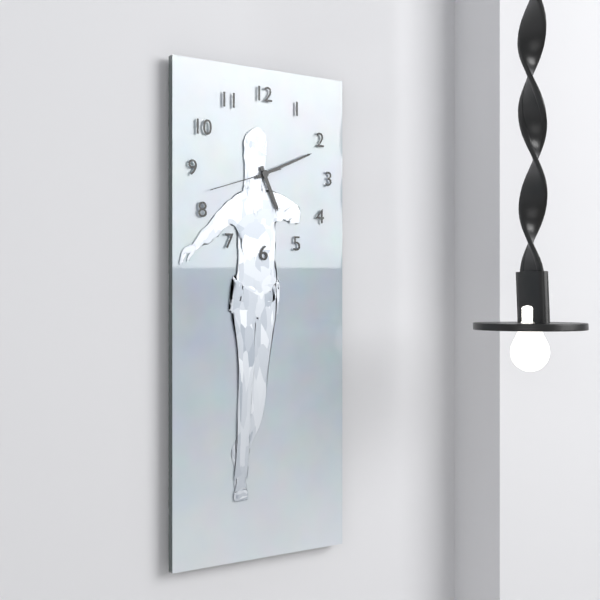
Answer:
5,11,42
